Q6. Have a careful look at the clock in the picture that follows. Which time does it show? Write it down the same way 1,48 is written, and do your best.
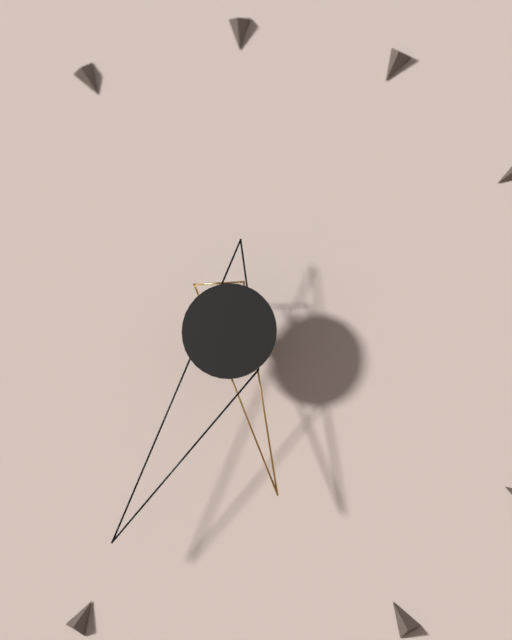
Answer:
5,35
